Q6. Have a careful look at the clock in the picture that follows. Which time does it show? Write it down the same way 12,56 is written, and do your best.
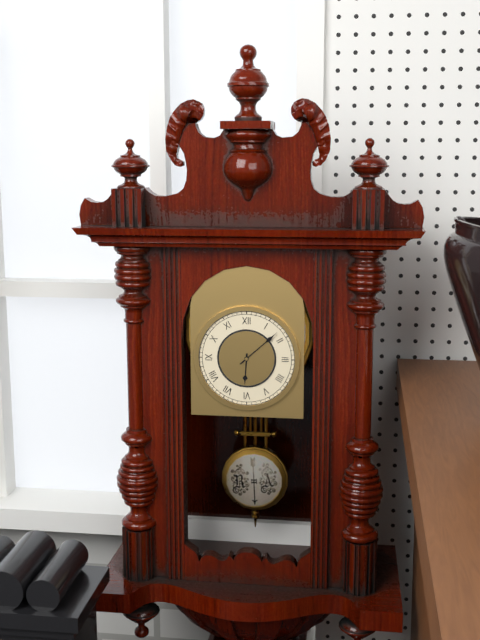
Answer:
6,08
